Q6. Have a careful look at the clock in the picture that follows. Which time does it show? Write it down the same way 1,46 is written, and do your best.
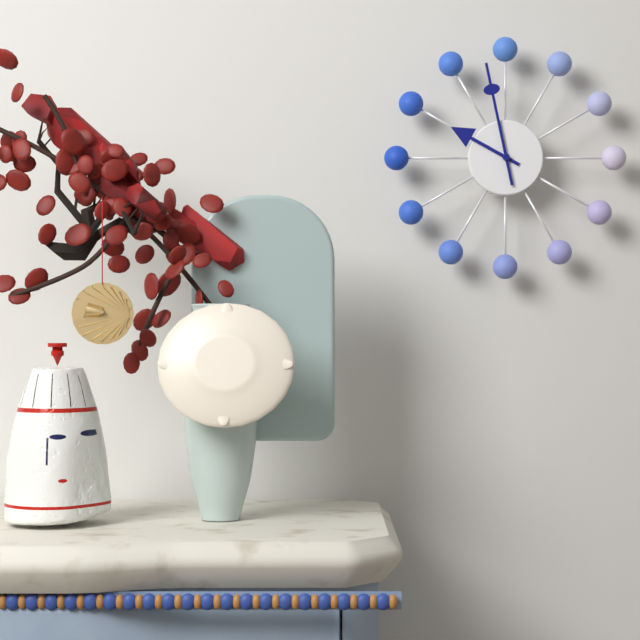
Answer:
9,58
